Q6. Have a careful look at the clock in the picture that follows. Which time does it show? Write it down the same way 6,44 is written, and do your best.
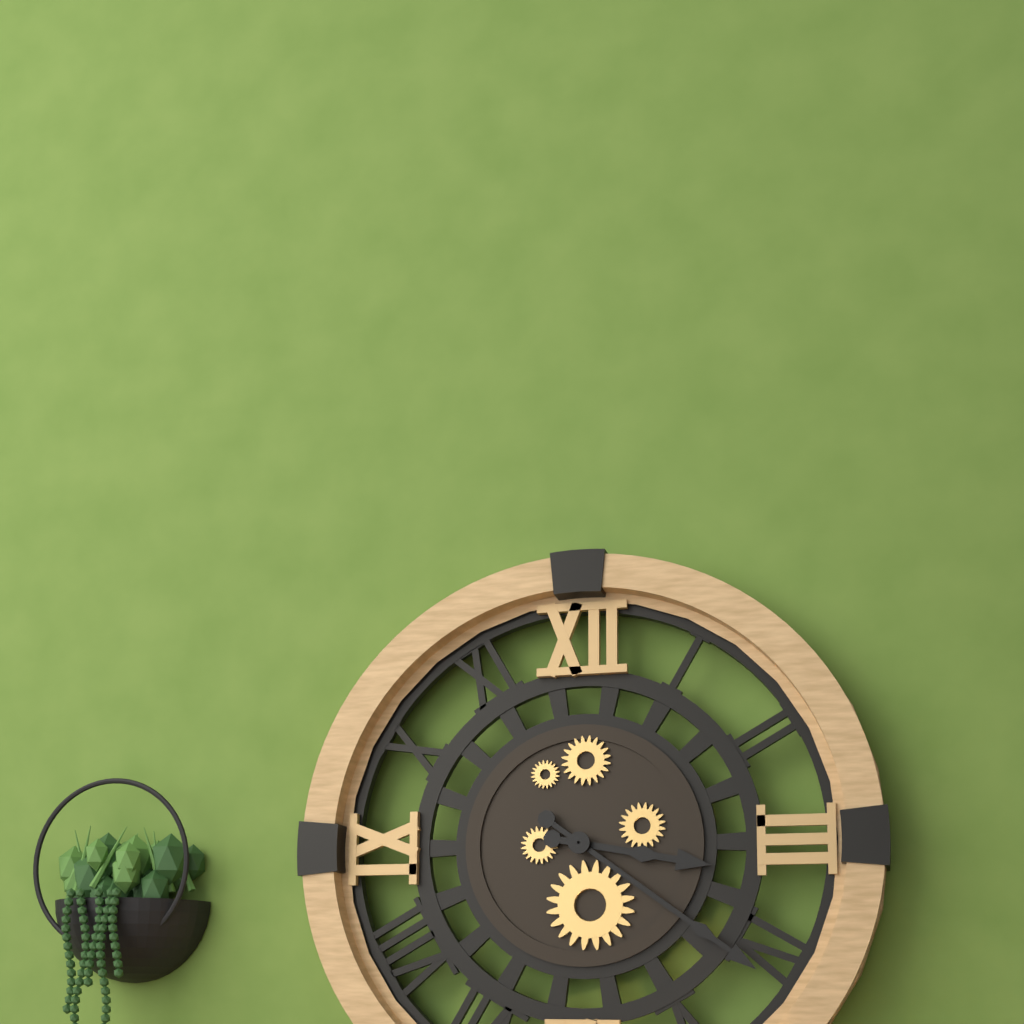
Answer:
3,21
